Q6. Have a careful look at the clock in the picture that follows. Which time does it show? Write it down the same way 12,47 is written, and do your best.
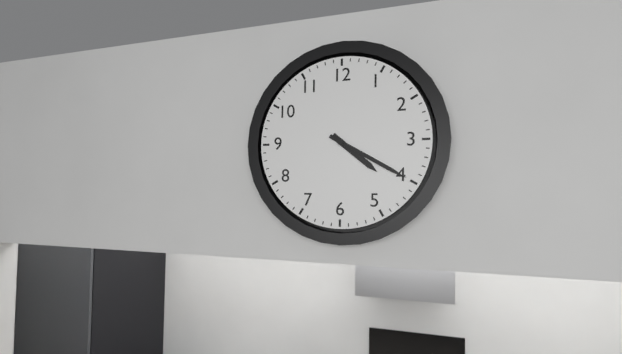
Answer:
4,20
